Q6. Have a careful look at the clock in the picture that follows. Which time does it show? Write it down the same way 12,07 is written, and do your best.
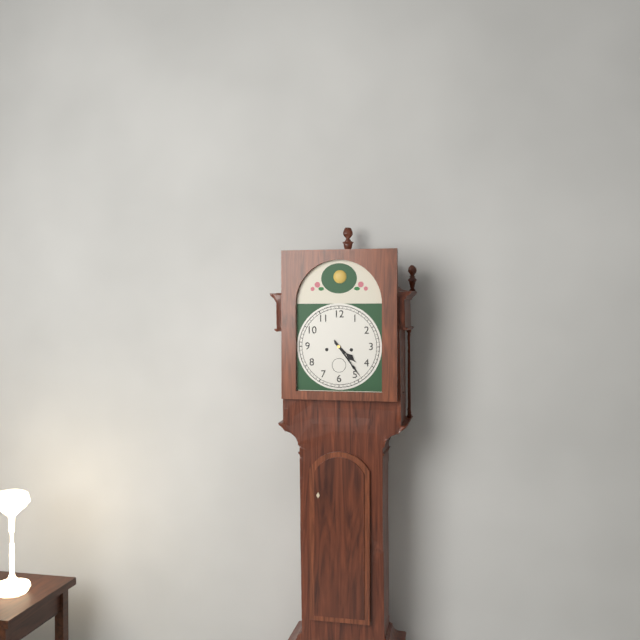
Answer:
4,24
